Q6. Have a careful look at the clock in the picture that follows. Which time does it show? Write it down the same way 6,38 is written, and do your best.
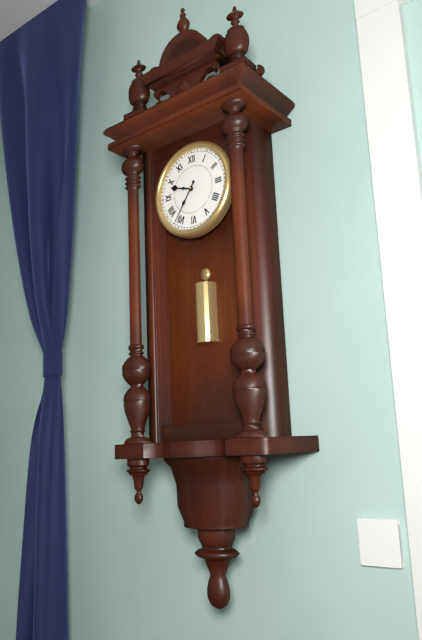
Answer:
9,36
